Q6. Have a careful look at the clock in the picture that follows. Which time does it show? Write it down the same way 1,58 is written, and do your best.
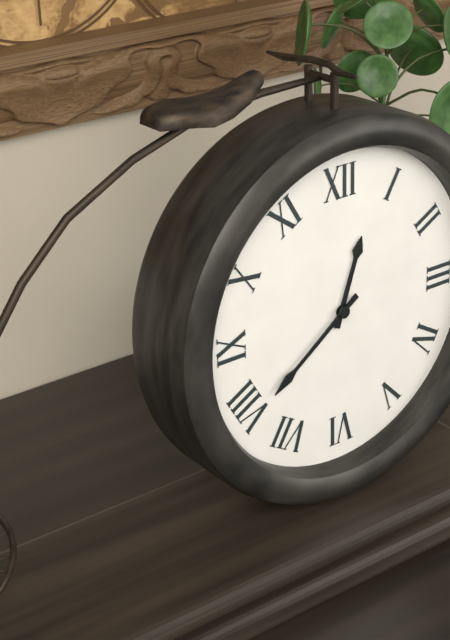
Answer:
12,39
